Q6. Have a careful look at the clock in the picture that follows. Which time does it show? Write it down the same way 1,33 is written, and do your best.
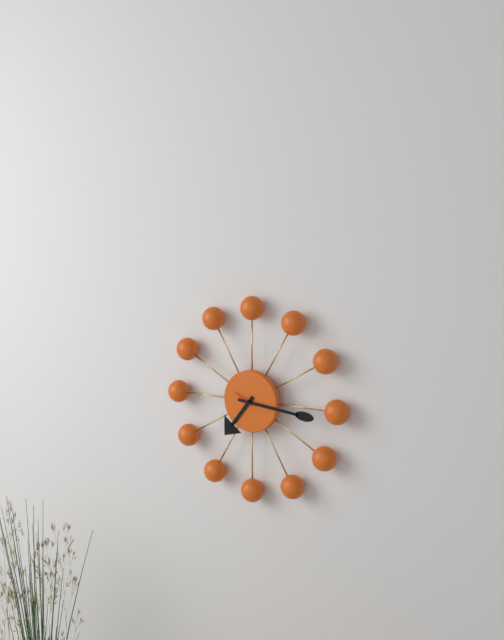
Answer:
7,16
